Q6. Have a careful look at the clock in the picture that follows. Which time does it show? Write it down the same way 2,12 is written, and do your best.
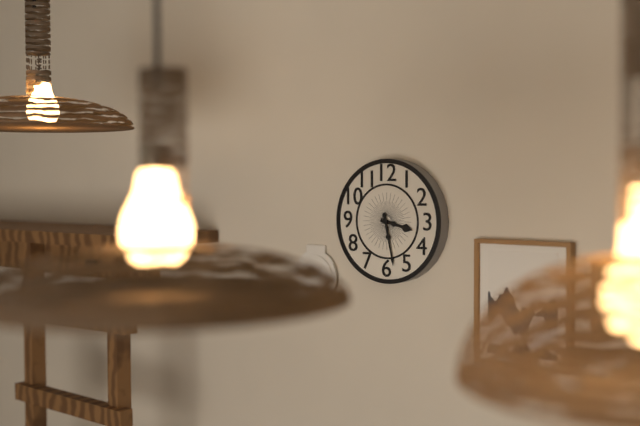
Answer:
3,28
